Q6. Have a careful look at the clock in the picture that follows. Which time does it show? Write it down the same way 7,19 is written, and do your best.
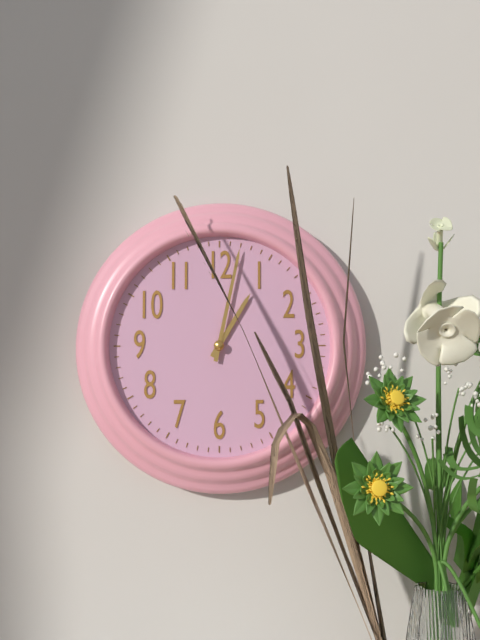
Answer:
1,02
